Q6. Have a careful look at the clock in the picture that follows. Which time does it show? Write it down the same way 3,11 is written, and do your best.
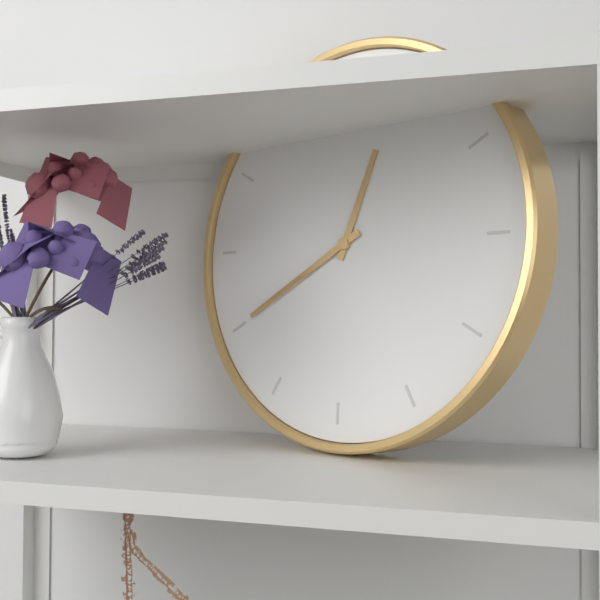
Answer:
12,40
